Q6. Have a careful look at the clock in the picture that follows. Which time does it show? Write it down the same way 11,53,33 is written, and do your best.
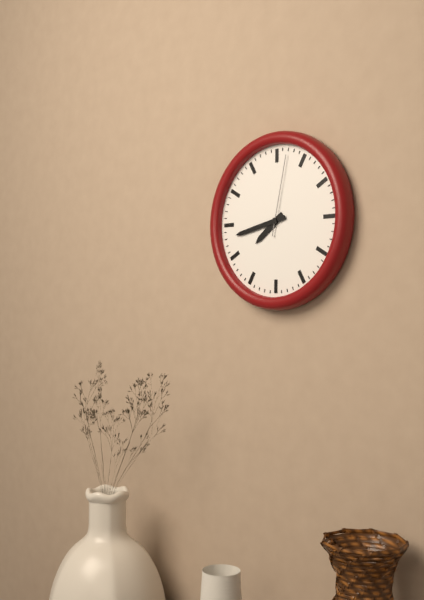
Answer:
7,43,02
